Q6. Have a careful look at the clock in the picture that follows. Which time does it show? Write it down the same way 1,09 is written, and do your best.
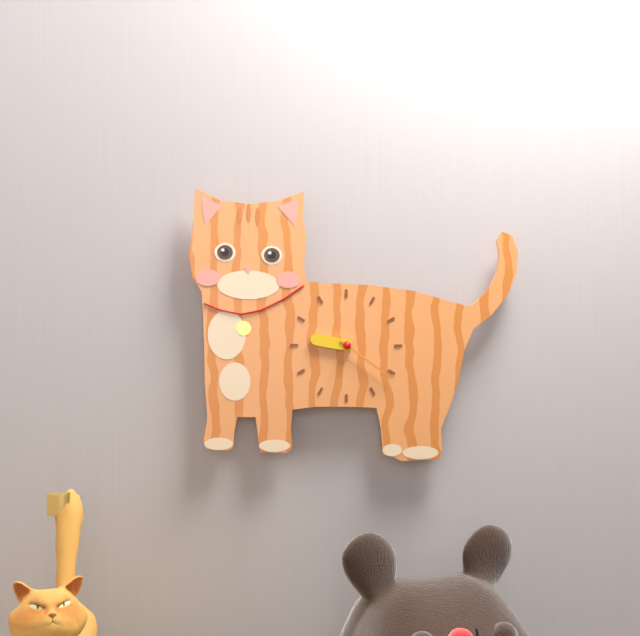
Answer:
9,21
